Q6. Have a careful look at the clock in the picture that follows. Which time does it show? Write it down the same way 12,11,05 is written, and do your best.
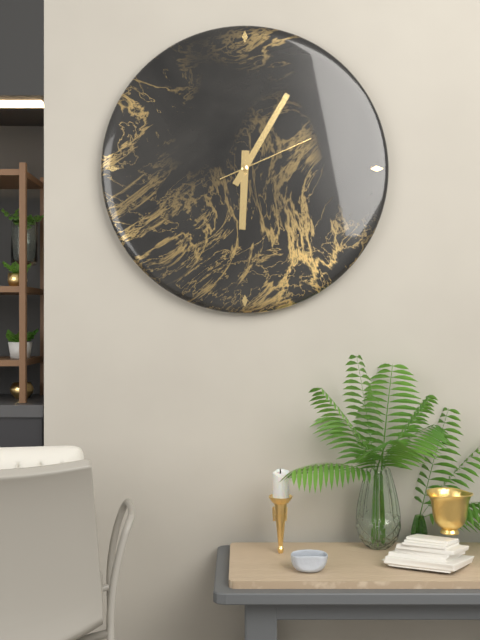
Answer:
6,05,11
